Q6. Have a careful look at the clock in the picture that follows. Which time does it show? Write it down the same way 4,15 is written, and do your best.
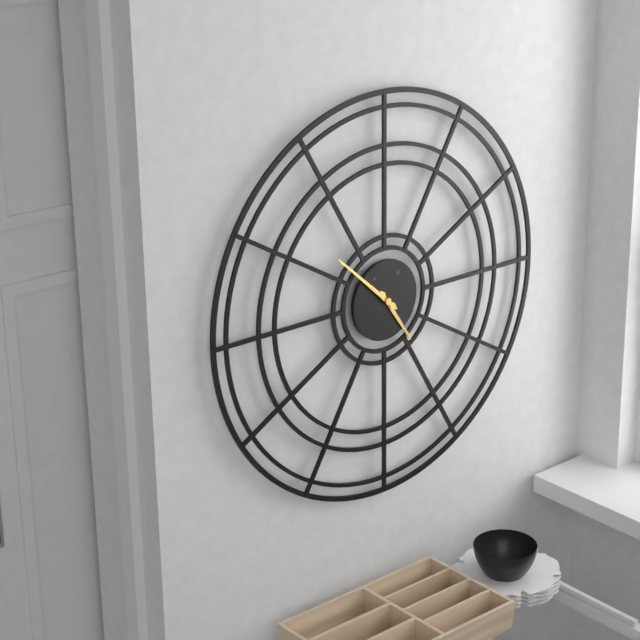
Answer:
4,52
